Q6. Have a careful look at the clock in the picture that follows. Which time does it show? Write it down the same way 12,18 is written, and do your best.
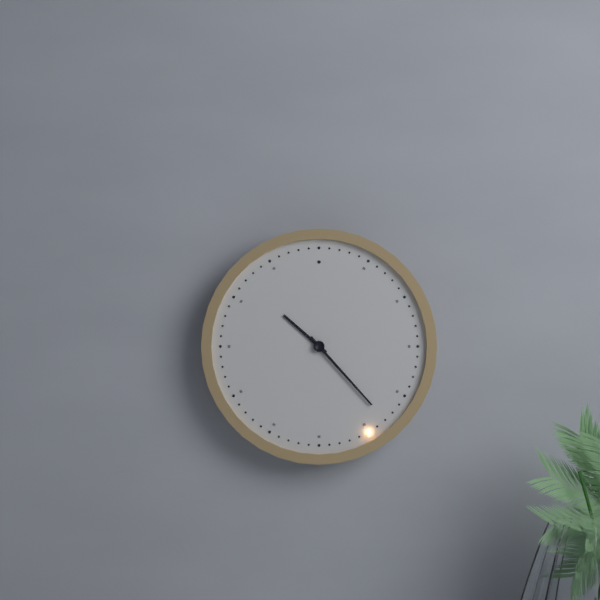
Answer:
10,23
